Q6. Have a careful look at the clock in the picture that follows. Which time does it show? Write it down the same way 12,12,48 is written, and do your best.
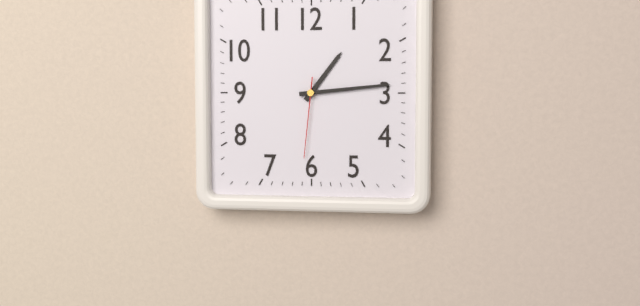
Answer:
1,14,31
